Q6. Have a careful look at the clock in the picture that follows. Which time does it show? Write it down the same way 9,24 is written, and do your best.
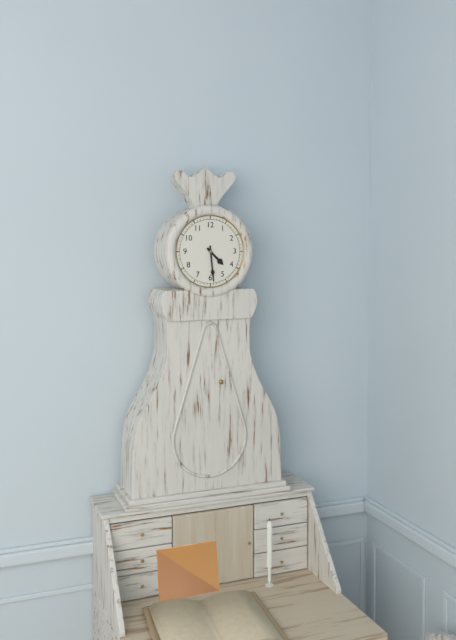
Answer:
4,29
